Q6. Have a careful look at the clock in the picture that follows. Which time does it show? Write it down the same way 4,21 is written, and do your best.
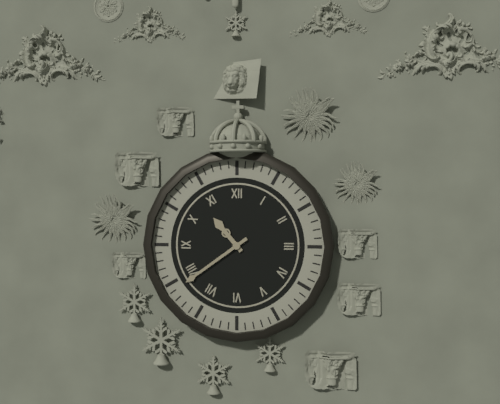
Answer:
10,39
